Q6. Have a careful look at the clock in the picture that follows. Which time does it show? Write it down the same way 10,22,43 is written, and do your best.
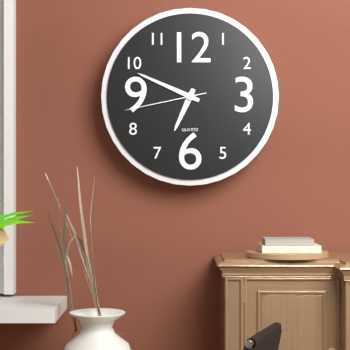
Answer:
6,49,43
